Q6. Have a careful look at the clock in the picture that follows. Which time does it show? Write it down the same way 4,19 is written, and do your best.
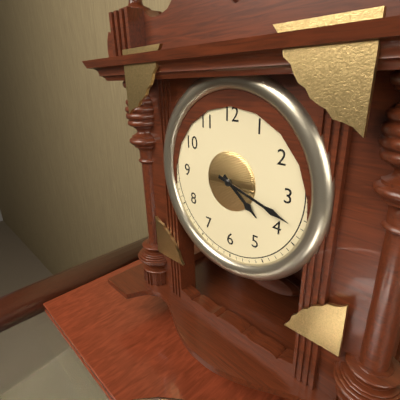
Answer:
4,18
